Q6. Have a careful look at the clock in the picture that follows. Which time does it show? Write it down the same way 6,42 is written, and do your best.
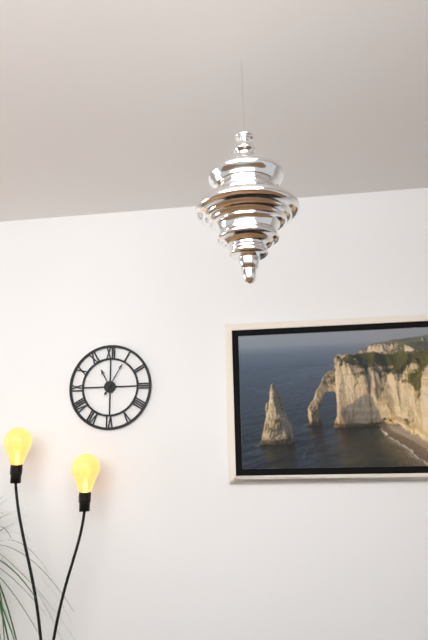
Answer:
11,05
